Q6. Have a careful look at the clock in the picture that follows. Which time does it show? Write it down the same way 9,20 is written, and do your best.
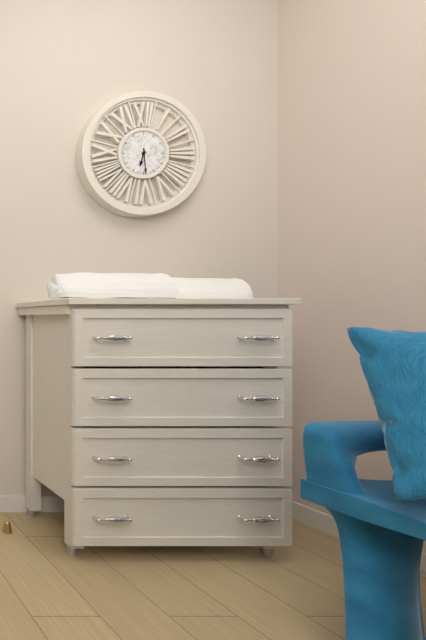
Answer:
6,29
